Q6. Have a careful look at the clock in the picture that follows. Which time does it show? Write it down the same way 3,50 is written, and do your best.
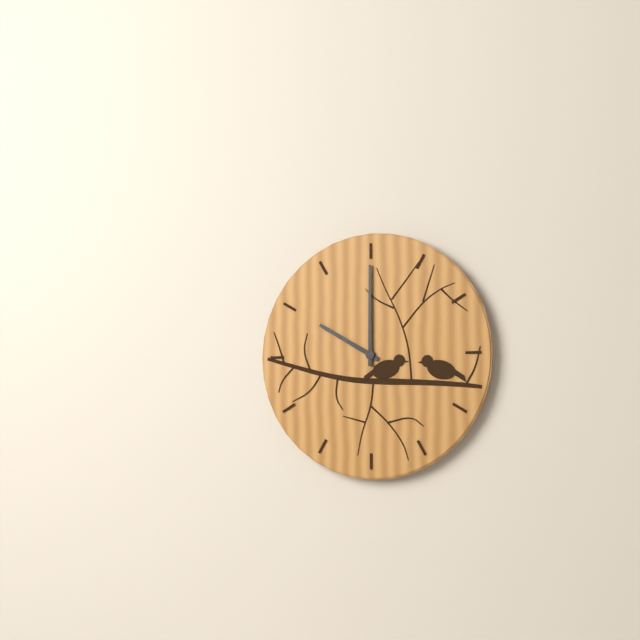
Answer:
10,00
